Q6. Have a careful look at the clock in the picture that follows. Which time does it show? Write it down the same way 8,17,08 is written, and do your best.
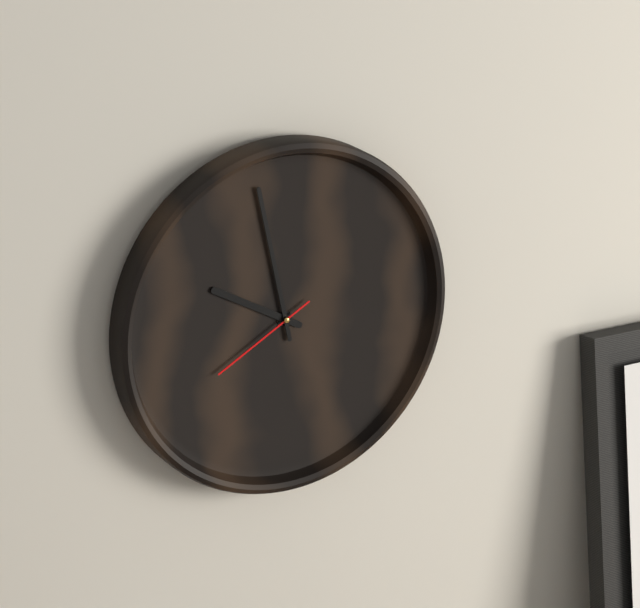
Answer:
9,58,40
